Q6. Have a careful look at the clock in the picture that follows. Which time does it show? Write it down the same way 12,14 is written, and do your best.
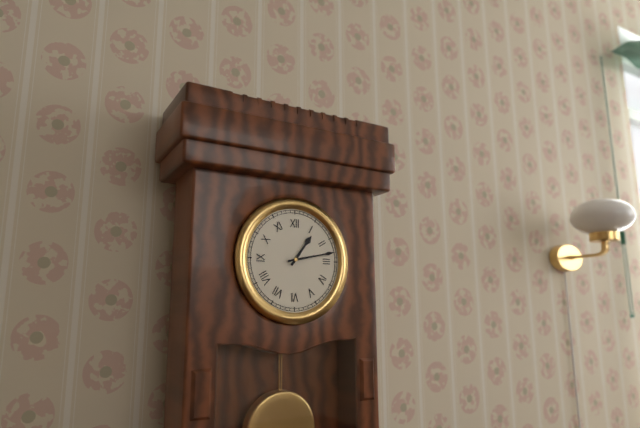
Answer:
1,13
